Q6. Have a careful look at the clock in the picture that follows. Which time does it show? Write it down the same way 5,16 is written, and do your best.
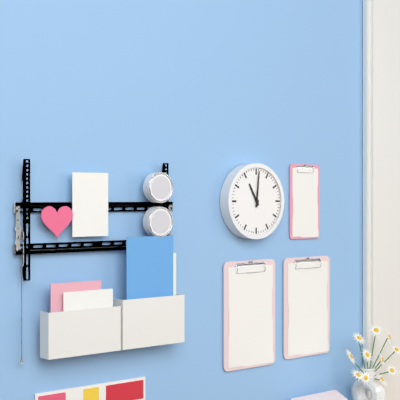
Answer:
11,01
